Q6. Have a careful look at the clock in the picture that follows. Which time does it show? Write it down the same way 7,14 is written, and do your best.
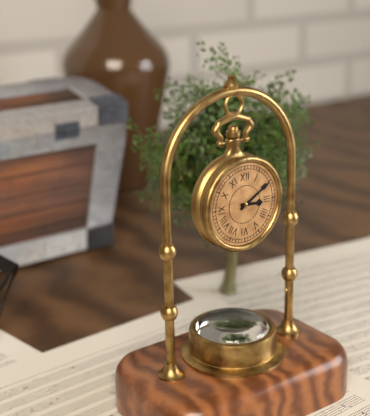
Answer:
3,10
